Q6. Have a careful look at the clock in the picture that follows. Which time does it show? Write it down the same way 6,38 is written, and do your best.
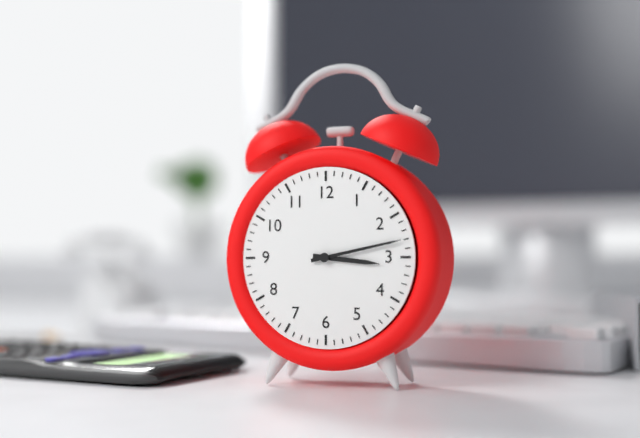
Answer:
3,13
